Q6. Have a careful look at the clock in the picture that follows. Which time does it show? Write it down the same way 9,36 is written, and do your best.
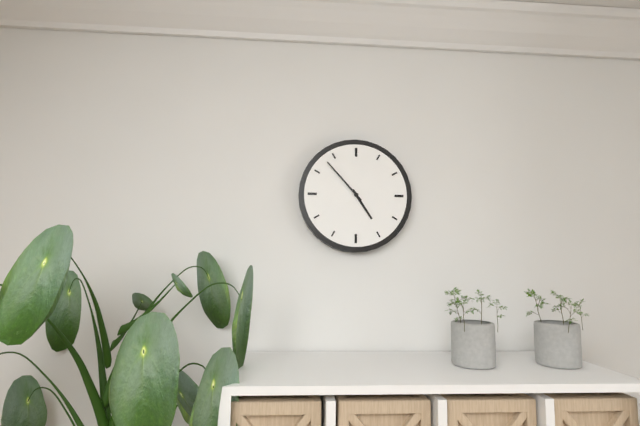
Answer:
4,53
